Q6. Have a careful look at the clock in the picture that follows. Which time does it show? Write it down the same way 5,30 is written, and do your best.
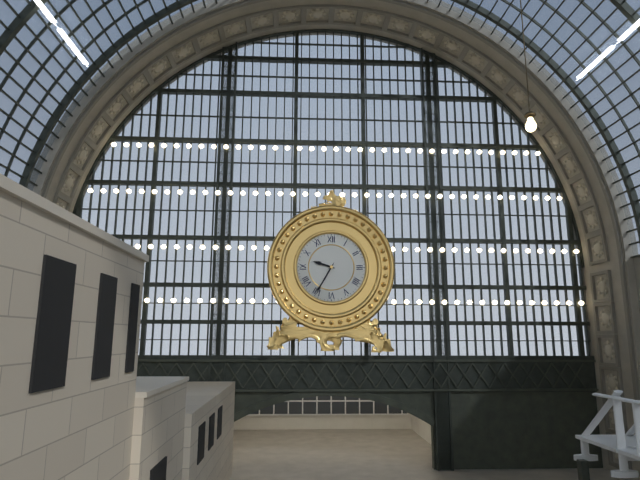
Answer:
9,35
